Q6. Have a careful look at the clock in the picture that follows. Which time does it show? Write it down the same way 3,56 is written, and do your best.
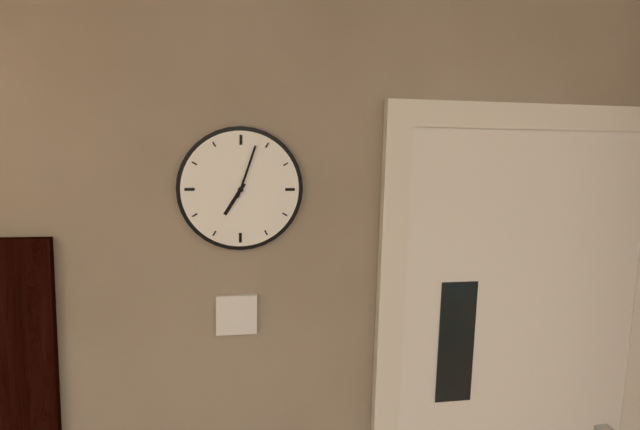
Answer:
7,03
